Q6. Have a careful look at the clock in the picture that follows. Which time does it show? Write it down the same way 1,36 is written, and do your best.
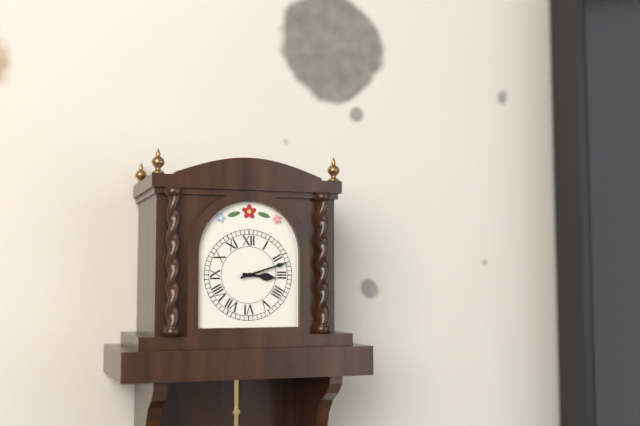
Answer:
3,12
